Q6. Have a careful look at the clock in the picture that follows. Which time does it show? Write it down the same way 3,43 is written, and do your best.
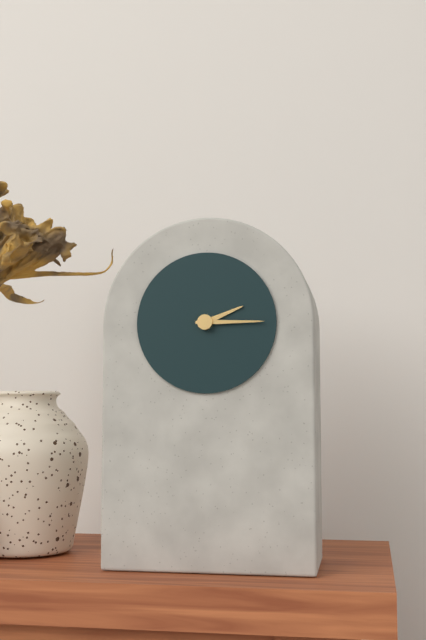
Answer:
2,15
